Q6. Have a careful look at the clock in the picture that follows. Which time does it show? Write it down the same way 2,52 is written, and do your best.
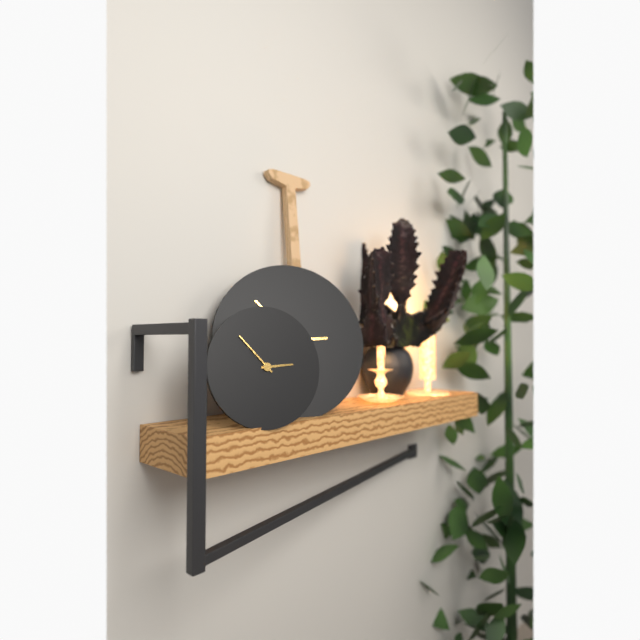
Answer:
2,53
